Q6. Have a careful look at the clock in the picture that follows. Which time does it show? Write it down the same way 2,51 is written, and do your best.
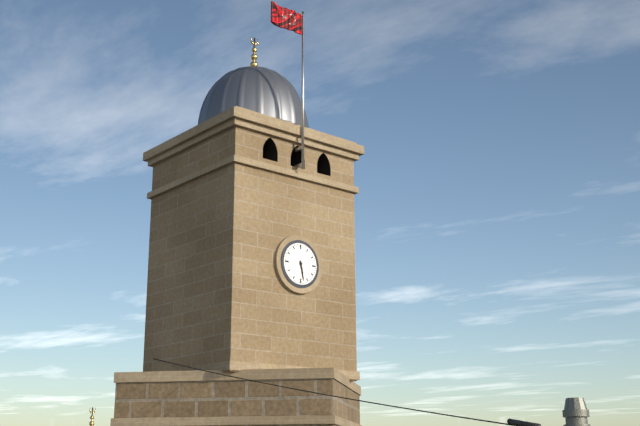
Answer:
5,28
